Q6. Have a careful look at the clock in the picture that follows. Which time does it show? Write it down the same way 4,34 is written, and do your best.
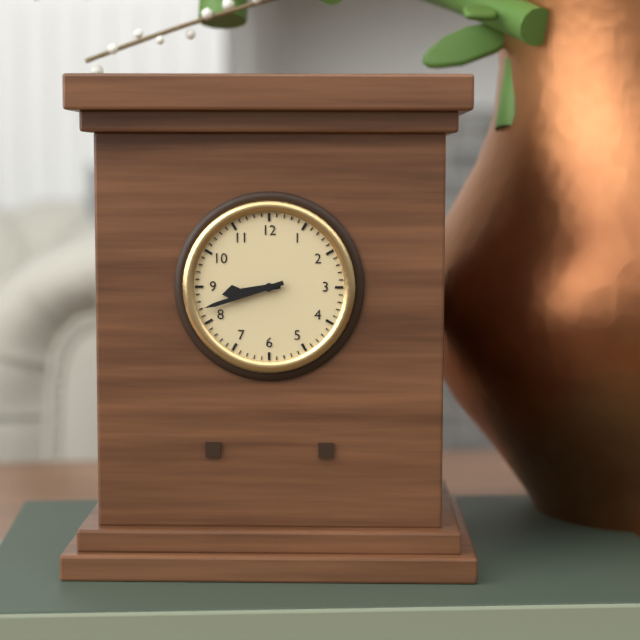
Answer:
8,42
